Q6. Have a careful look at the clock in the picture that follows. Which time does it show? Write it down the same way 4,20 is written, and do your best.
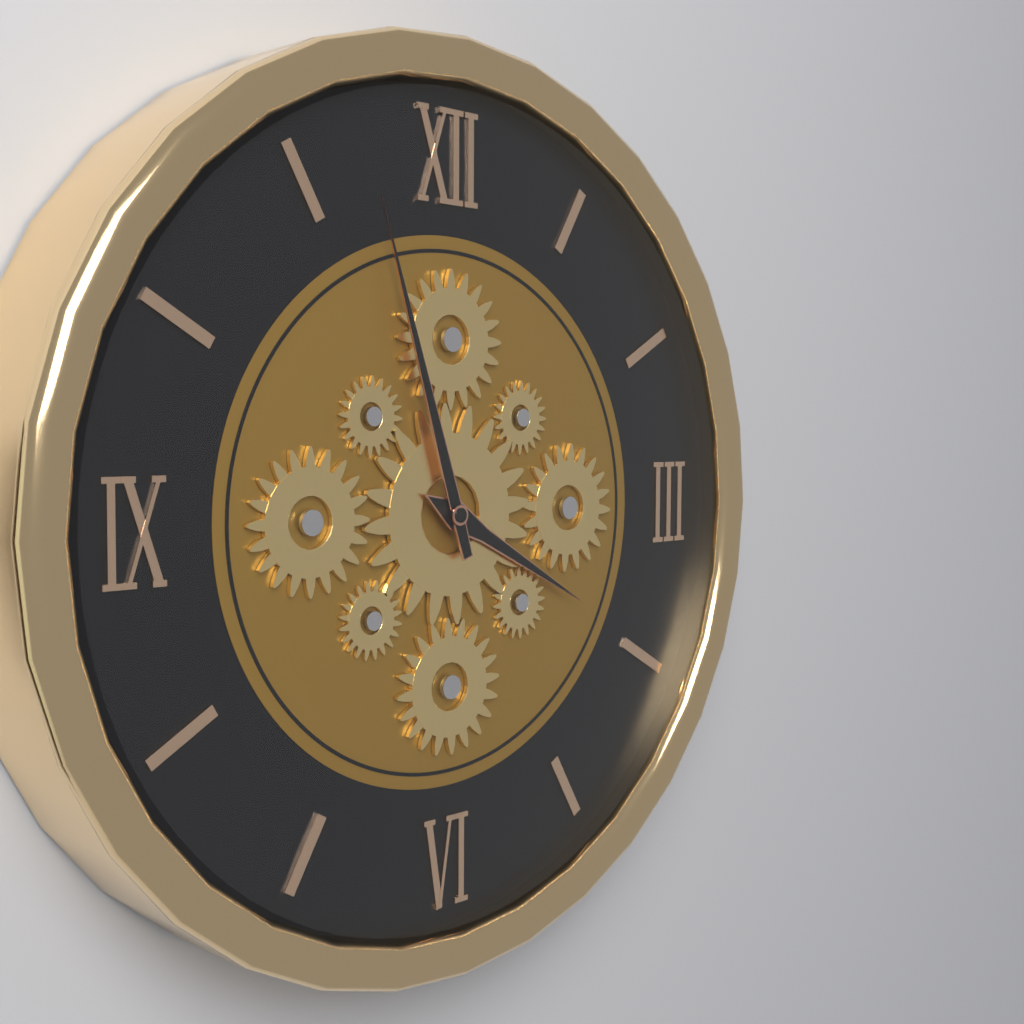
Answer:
3,57
